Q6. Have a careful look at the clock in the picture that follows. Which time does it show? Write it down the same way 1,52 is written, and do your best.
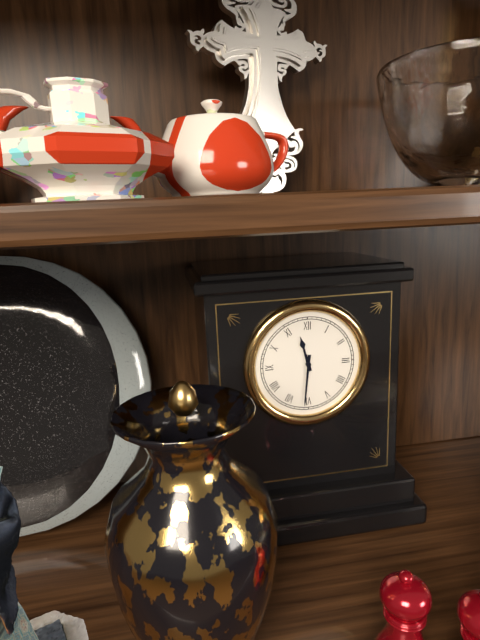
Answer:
11,31
